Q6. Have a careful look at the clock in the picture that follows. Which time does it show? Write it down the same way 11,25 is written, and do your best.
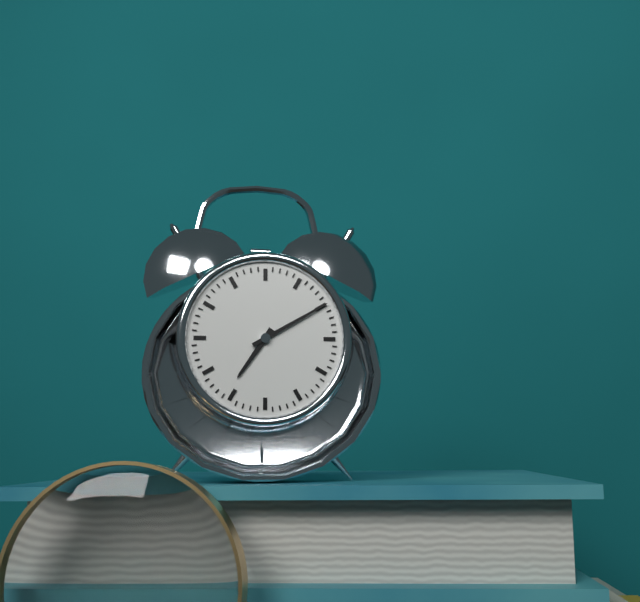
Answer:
7,10
